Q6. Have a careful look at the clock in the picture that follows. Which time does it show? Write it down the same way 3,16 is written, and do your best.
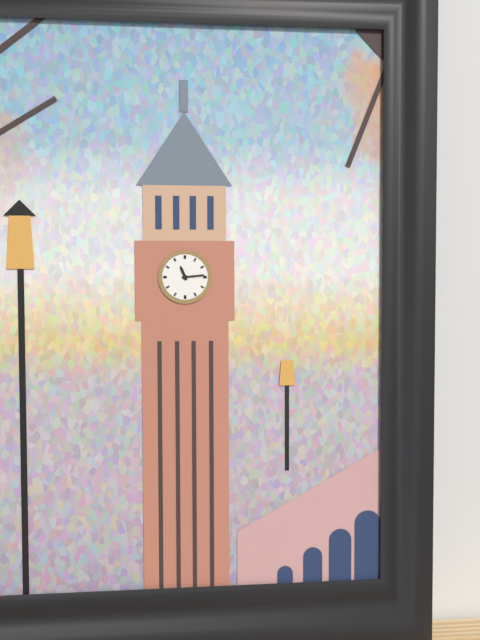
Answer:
11,14
